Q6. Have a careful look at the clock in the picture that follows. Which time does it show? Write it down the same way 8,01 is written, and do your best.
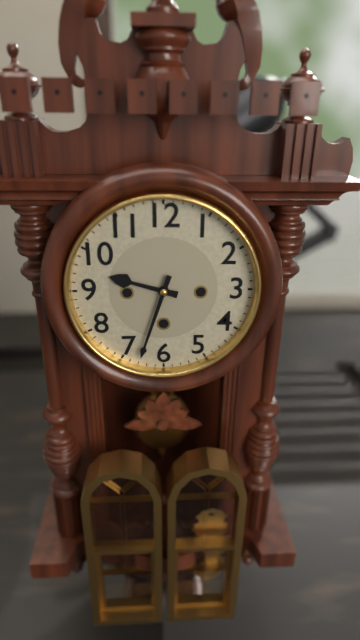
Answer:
9,33
